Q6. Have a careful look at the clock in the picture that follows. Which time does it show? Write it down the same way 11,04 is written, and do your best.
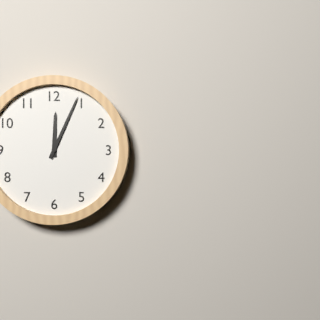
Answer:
12,04
